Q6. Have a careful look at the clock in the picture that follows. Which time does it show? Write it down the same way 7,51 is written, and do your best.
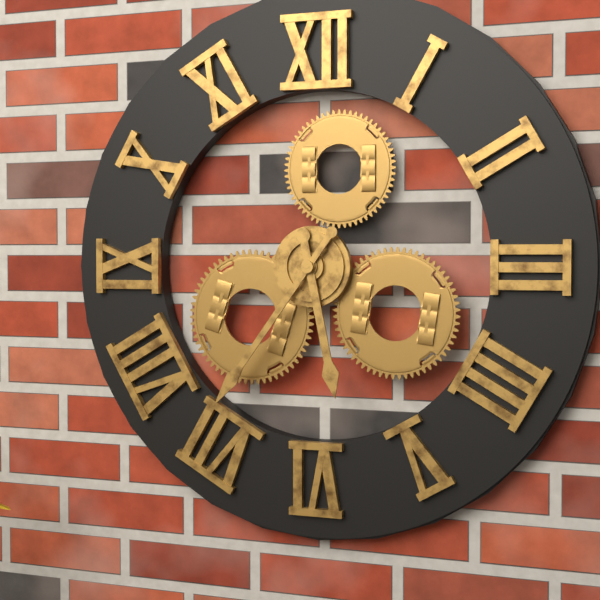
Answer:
5,36
